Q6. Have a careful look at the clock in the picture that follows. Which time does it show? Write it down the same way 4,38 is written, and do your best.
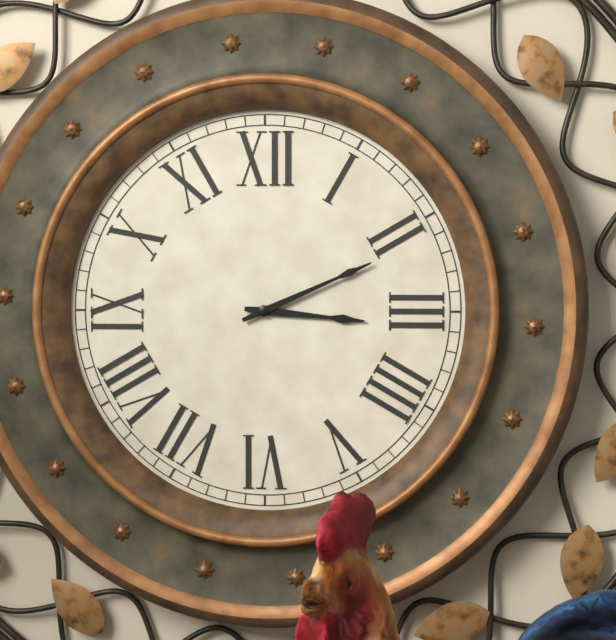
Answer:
3,11
